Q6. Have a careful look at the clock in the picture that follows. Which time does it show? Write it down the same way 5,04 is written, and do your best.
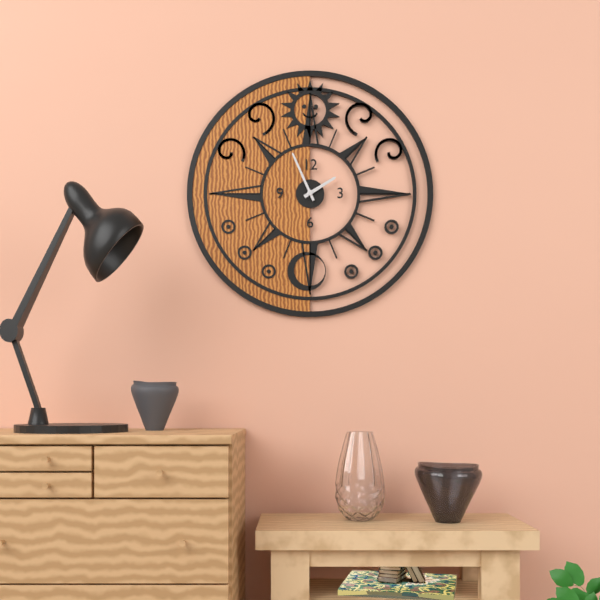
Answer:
1,56
